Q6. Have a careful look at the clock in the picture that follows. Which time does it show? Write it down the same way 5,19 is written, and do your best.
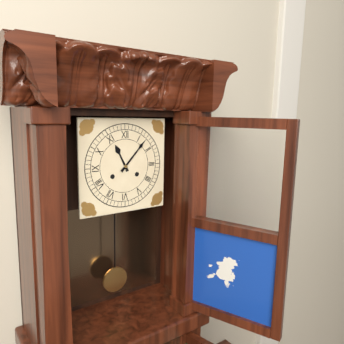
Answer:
11,07
